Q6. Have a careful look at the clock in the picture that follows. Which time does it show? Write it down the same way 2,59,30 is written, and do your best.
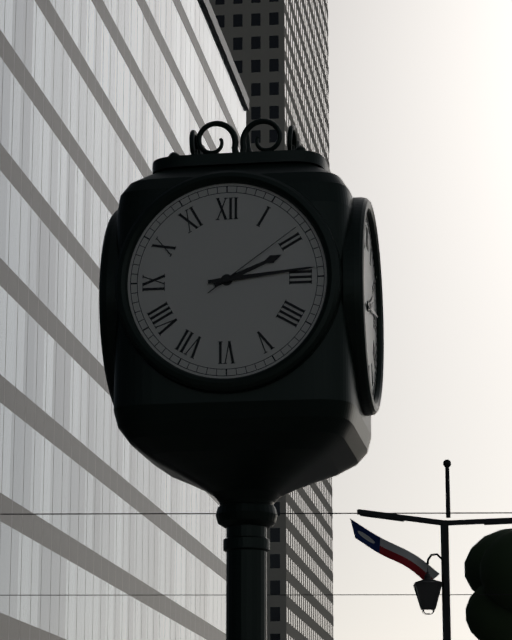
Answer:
2,14,09
